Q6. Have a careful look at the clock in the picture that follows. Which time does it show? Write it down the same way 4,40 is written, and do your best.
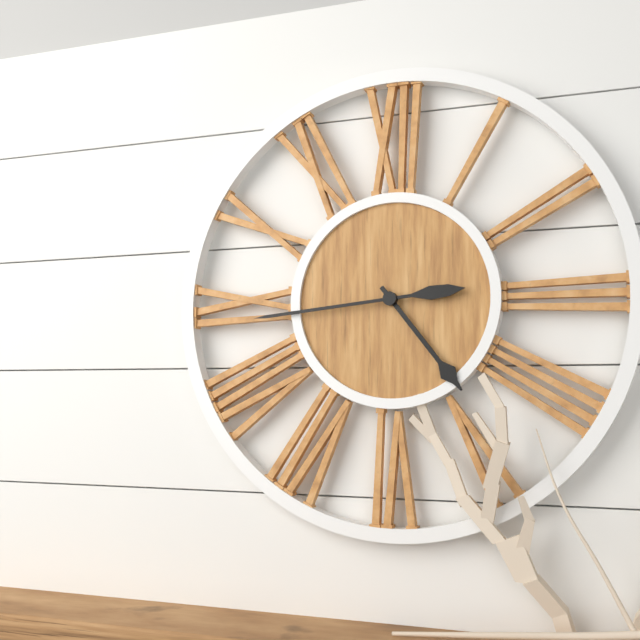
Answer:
4,44
